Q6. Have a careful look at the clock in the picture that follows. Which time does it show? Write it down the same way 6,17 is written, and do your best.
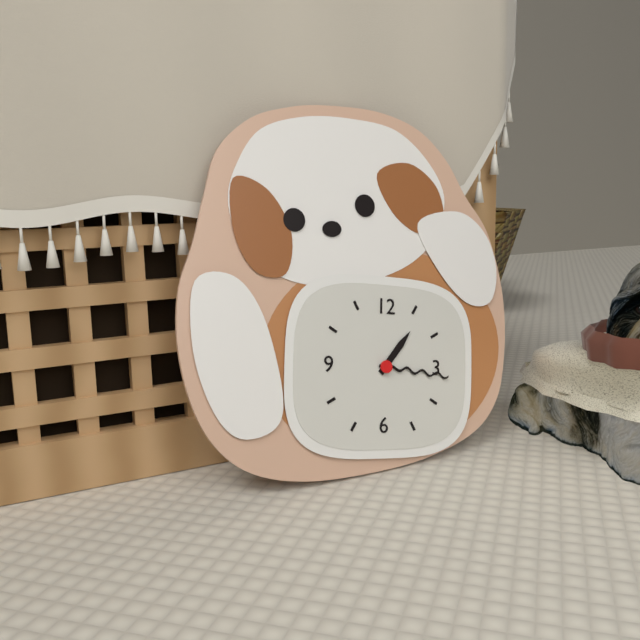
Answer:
1,16
